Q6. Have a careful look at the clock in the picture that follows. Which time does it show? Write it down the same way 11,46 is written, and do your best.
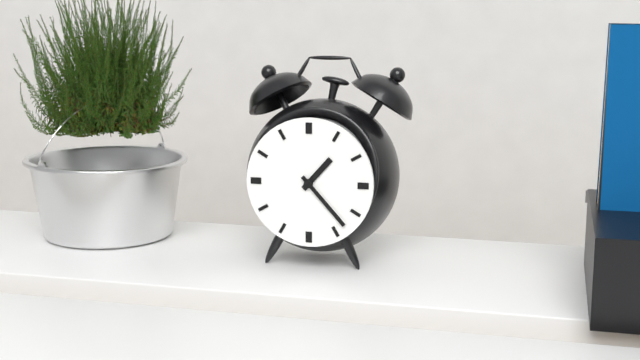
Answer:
1,23
